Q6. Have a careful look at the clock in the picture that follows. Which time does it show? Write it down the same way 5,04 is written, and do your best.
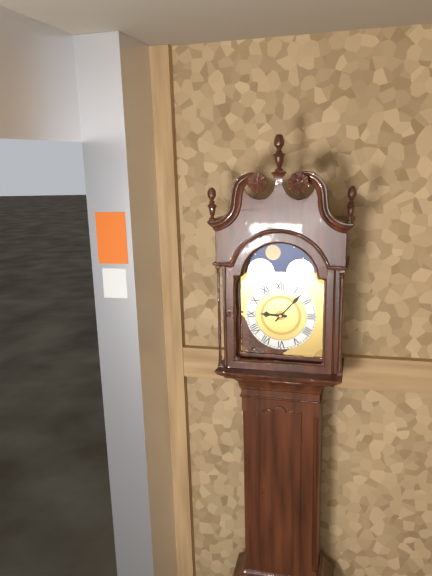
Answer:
9,07
